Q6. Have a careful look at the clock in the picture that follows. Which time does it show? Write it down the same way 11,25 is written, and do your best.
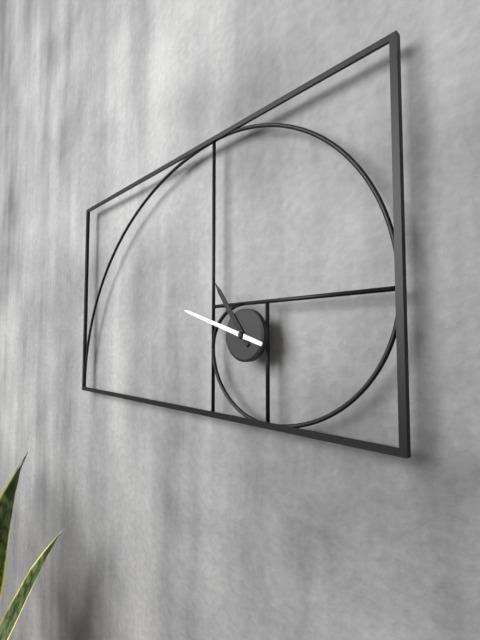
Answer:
10,48
